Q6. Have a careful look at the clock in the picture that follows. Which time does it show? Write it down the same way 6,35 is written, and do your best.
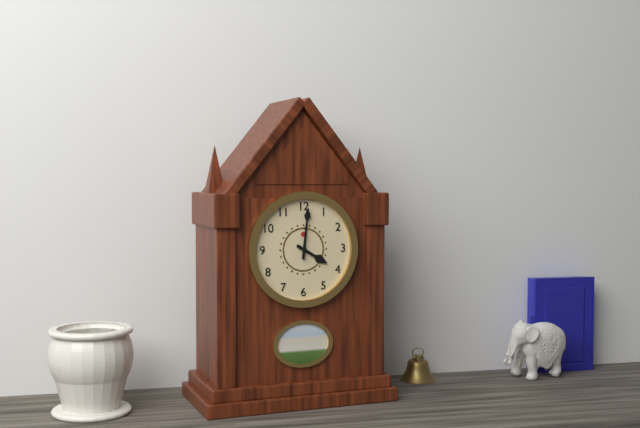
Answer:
4,01
